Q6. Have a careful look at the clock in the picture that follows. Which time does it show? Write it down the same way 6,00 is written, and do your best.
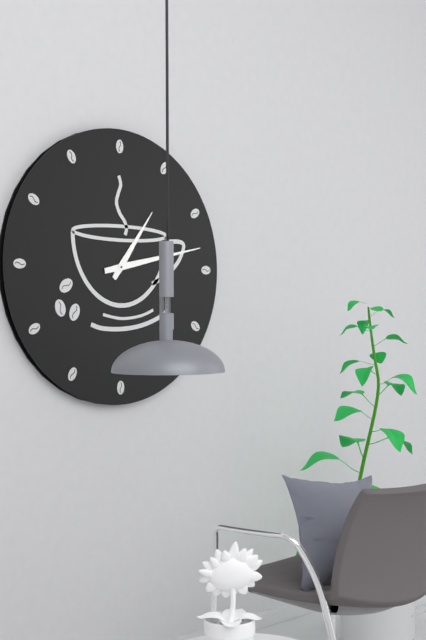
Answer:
1,13
